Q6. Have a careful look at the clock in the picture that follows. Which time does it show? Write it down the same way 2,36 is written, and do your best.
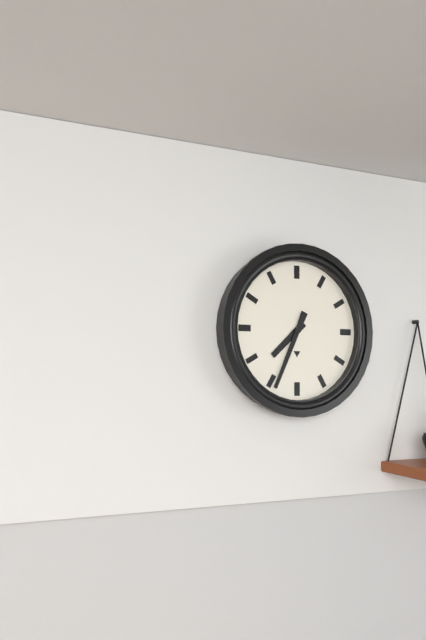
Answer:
7,34
